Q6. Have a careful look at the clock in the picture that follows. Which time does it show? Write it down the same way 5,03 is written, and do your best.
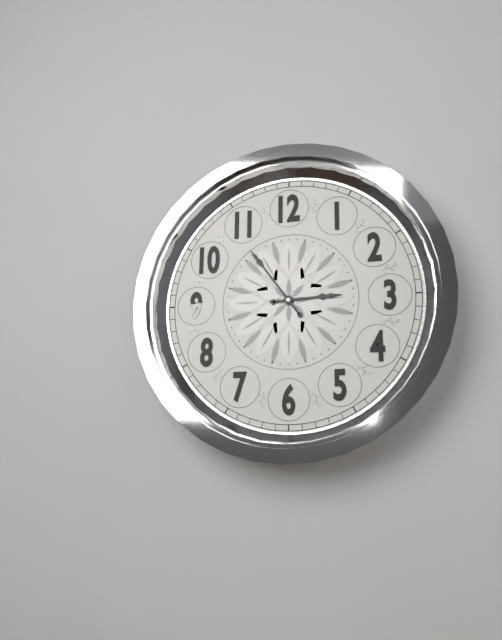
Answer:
2,54
